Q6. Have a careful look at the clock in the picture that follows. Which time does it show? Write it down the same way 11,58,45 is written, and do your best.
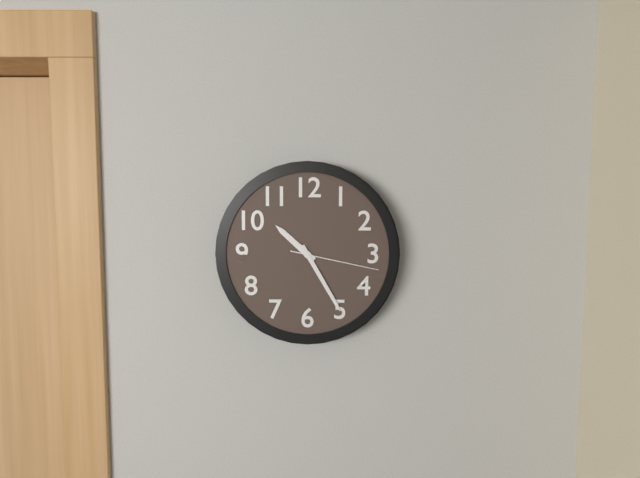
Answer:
10,25,17
